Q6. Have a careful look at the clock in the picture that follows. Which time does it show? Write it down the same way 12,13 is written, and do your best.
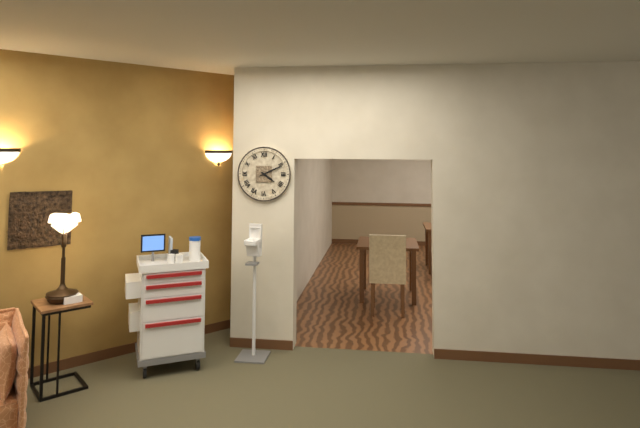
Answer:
4,11
